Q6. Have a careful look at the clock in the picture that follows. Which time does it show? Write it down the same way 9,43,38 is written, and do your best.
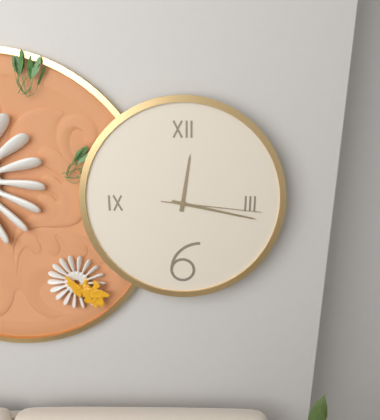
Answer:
12,17,16
